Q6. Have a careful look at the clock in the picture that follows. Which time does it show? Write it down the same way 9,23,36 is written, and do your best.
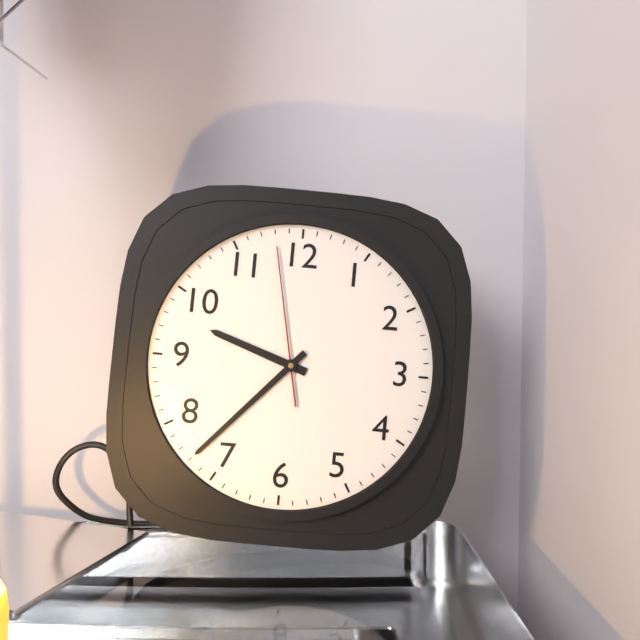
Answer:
9,37,58
